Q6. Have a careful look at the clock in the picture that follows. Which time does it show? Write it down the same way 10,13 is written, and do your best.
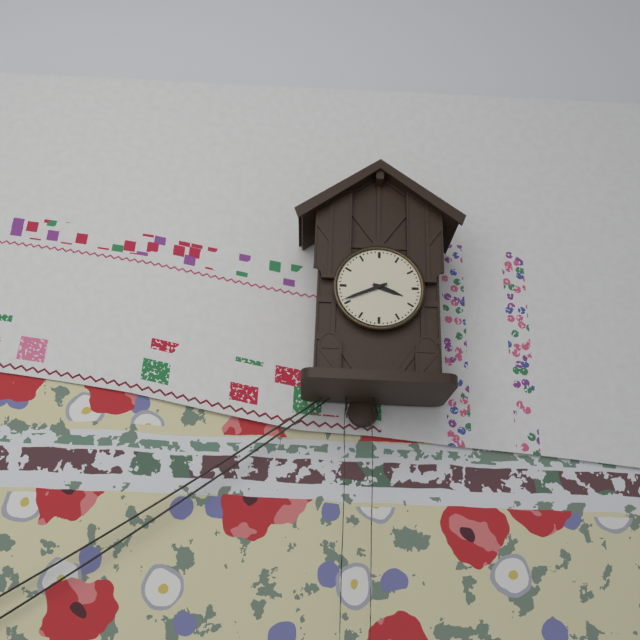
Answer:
3,41
